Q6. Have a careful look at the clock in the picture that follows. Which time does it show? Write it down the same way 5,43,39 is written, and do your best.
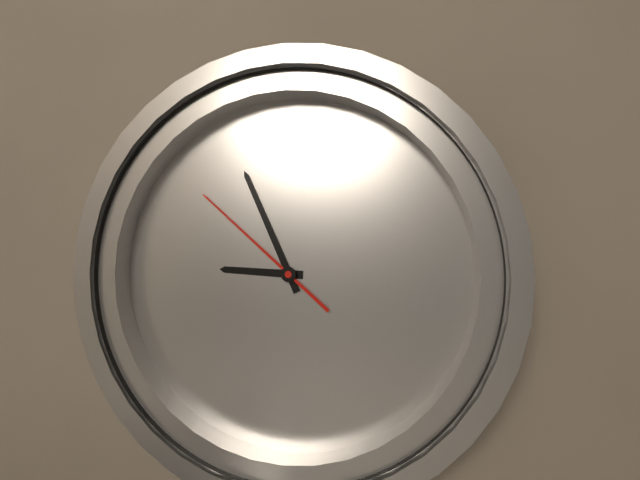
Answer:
8,55,51
